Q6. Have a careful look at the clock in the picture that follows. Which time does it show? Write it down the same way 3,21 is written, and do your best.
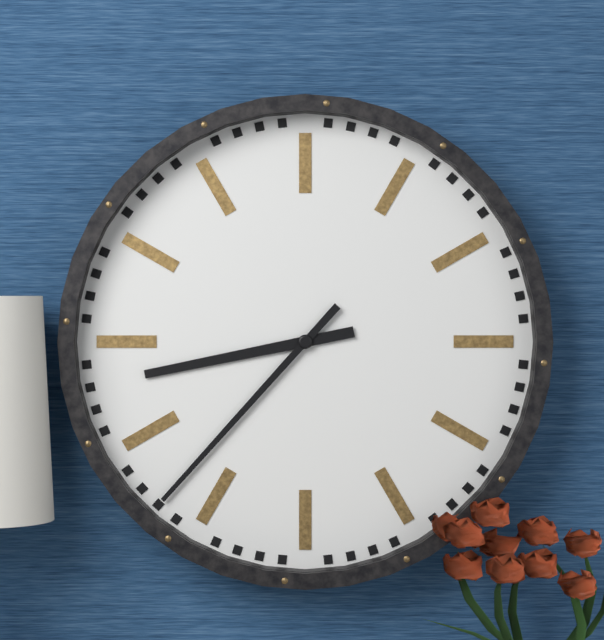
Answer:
8,37
